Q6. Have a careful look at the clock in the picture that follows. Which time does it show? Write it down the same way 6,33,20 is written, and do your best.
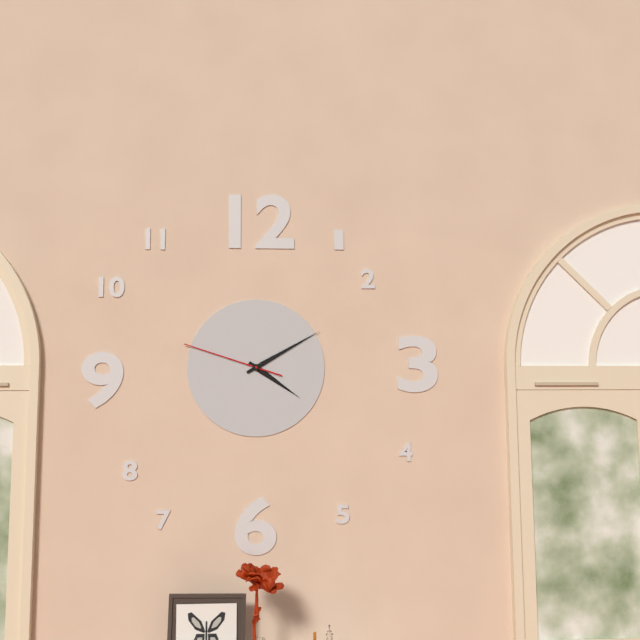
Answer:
4,10,48
